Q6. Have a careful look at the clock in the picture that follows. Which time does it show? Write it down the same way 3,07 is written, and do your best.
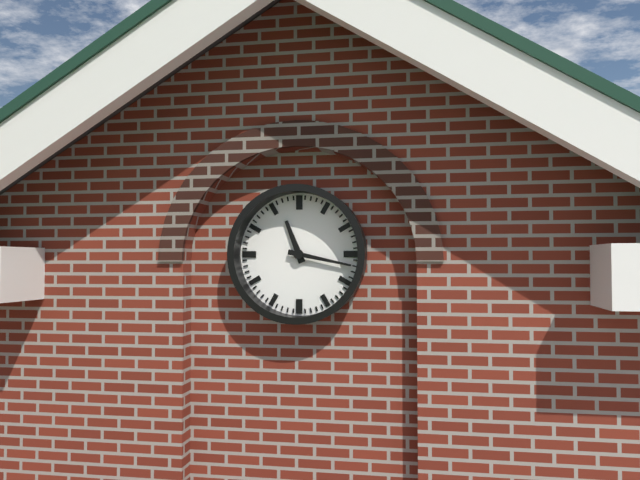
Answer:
11,17
